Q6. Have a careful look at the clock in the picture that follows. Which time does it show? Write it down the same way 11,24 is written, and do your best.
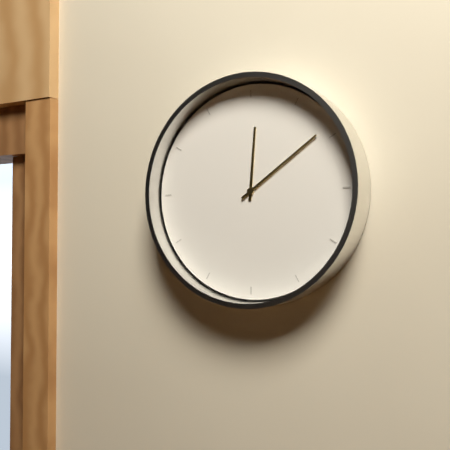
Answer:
12,09
